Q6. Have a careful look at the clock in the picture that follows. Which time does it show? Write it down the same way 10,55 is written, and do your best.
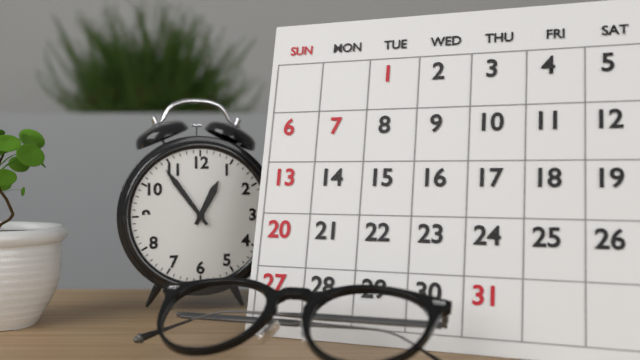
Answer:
12,54
